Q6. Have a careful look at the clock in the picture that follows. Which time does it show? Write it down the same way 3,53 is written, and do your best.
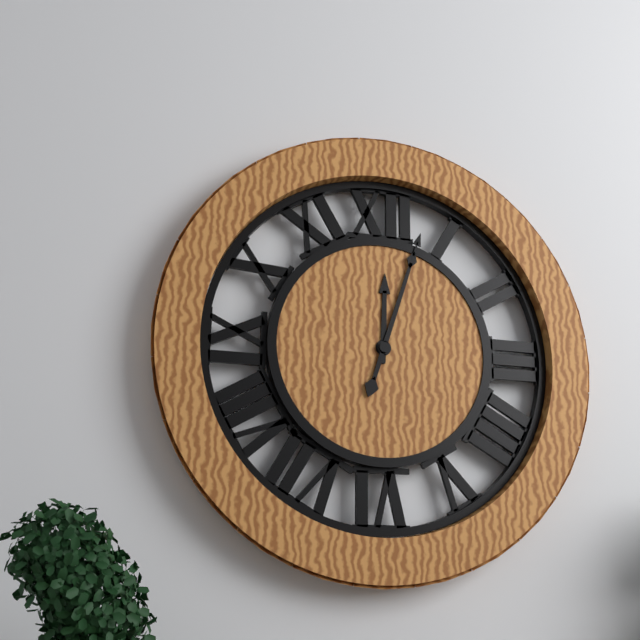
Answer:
12,03
